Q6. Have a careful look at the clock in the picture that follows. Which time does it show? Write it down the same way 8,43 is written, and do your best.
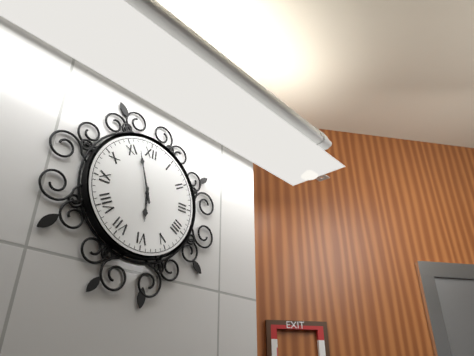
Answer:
5,57
